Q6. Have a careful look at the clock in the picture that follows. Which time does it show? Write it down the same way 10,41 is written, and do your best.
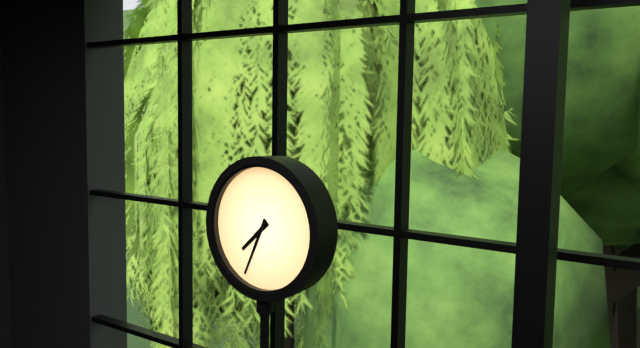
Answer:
7,34
